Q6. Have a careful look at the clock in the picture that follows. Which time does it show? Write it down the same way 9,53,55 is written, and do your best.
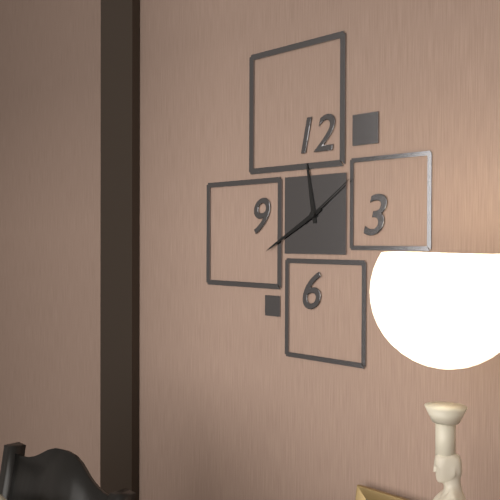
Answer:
11,40,09
